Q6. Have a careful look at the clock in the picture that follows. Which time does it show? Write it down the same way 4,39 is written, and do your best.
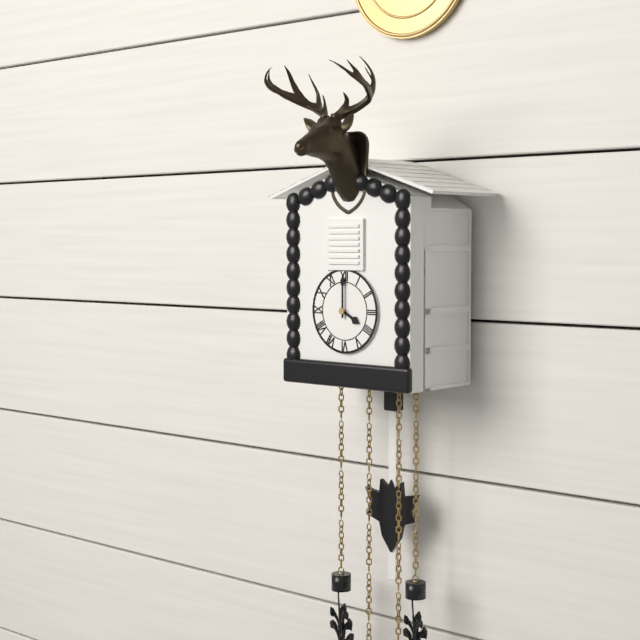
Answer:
4,00
